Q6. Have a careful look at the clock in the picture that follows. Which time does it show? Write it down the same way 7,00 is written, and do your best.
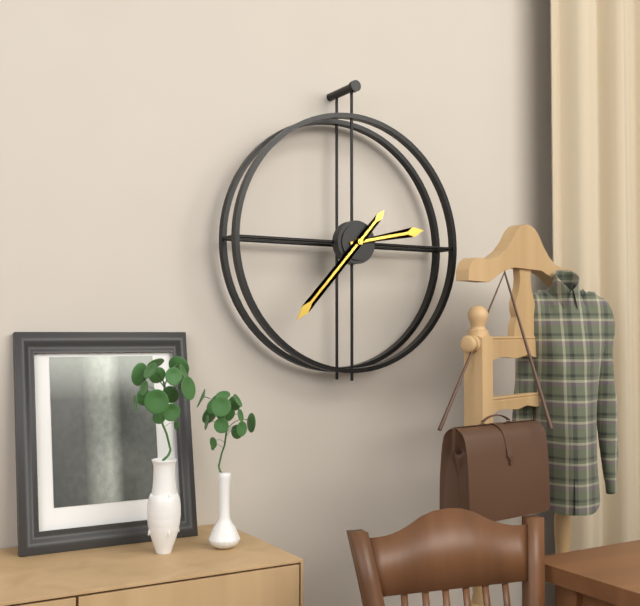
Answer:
2,37
